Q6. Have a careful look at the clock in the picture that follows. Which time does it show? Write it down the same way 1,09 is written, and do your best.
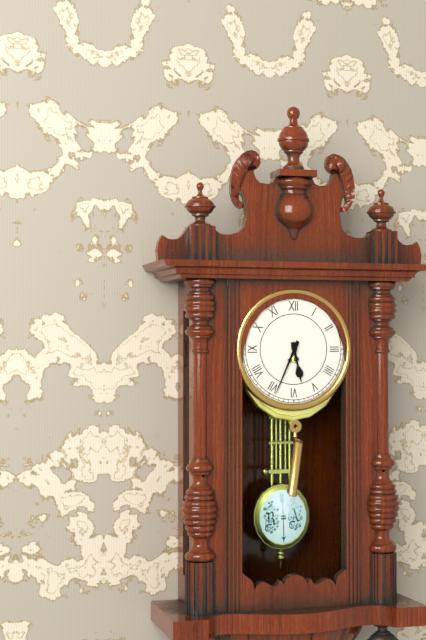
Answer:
5,34
